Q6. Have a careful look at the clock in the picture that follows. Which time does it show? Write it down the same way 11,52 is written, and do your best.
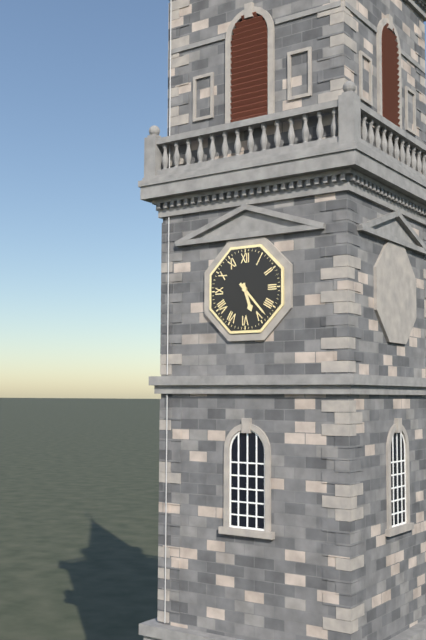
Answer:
5,23
